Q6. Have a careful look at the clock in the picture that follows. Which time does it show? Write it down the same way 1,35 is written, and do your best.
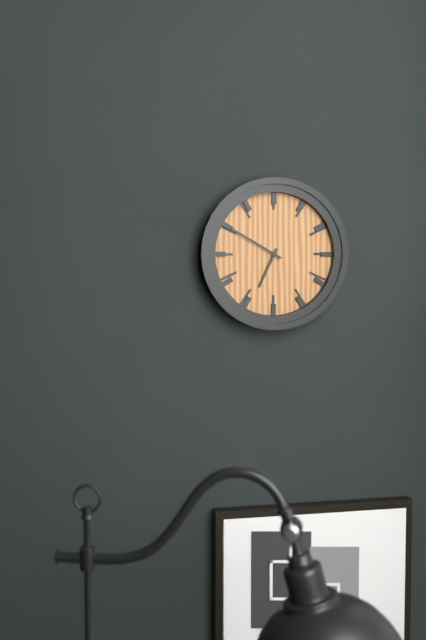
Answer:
6,50
